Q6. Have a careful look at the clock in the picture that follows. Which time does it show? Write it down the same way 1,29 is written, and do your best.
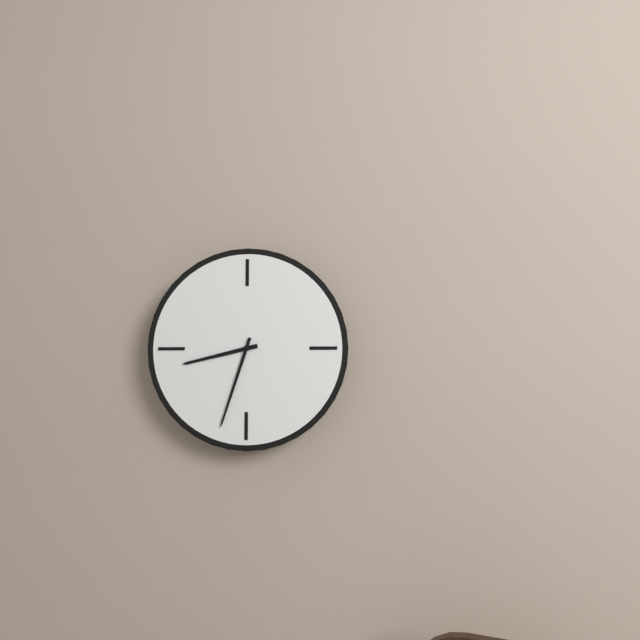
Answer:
8,33
